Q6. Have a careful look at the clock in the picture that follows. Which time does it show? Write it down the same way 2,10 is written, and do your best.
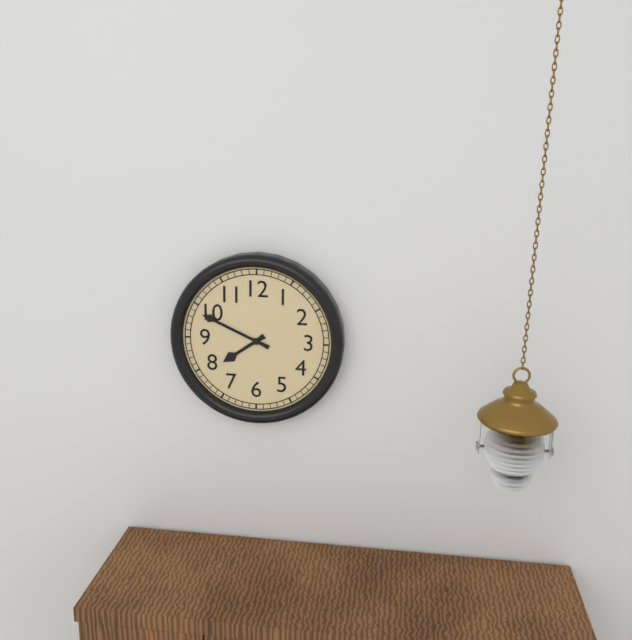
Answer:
7,49
